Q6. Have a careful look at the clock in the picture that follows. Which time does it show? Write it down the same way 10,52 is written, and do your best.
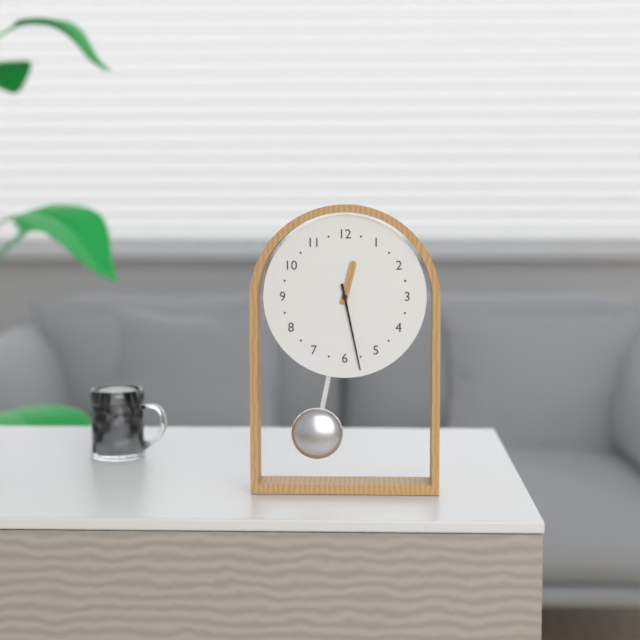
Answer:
12,28
